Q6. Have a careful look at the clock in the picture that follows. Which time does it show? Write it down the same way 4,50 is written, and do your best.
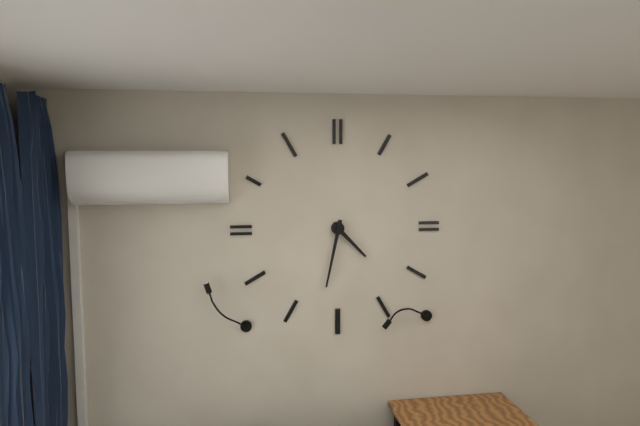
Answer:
4,32
